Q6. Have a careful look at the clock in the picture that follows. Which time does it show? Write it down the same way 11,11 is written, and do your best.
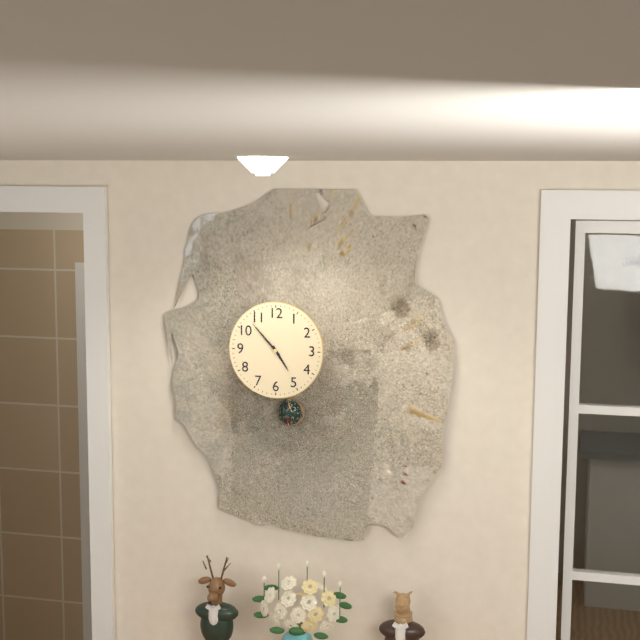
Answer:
4,53
